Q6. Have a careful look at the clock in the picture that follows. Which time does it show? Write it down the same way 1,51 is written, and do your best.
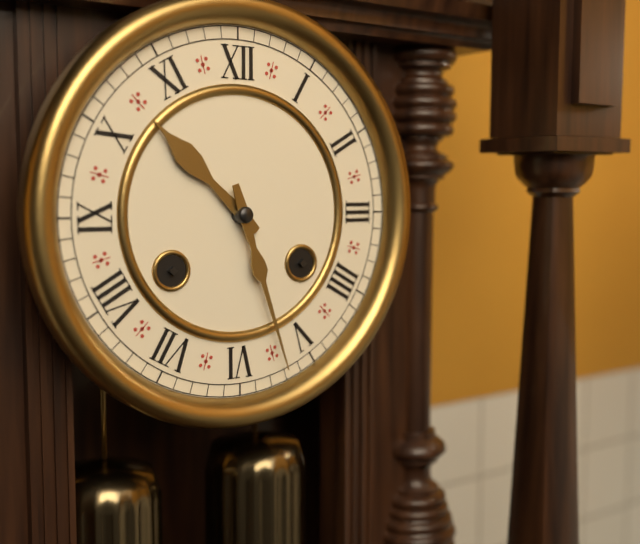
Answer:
10,27
